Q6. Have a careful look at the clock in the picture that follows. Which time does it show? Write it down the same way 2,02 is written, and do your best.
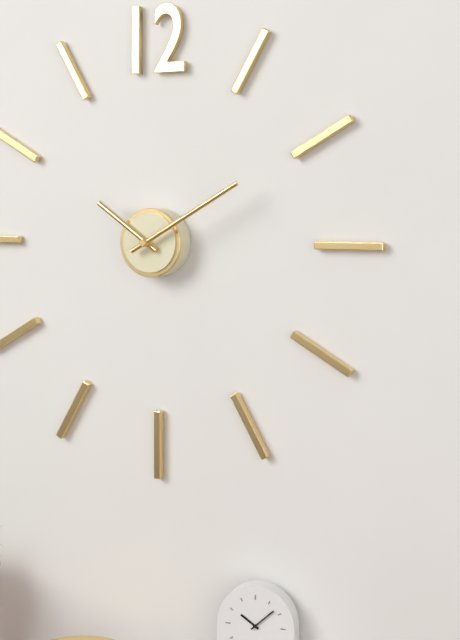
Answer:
10,10
